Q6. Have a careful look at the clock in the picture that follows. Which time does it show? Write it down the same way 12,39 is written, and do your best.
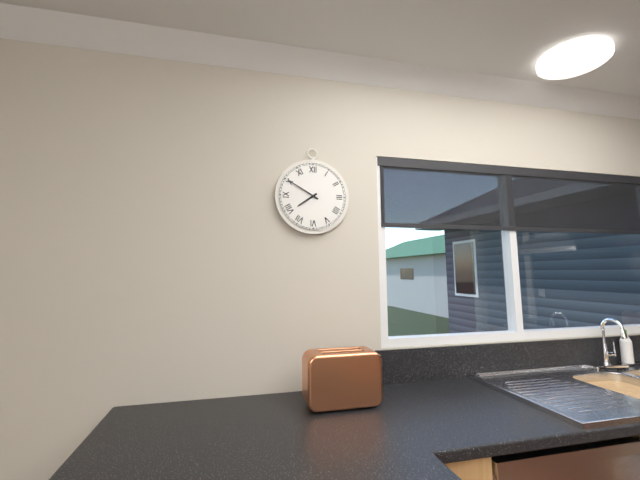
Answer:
7,50
